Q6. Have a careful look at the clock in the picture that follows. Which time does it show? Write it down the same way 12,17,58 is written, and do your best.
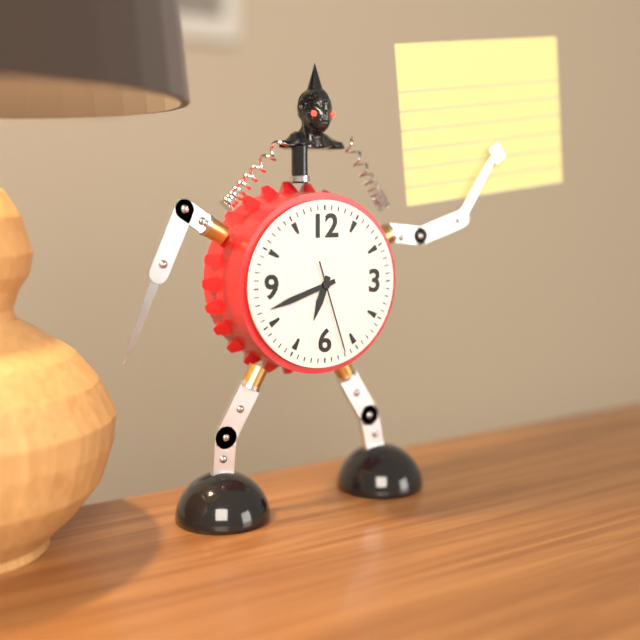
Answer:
6,42,27
